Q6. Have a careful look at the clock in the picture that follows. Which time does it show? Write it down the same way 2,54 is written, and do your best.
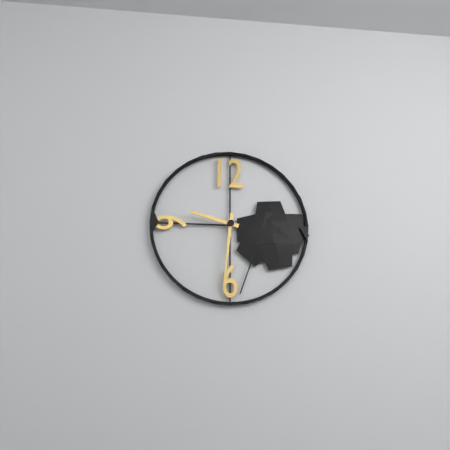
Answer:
9,31
